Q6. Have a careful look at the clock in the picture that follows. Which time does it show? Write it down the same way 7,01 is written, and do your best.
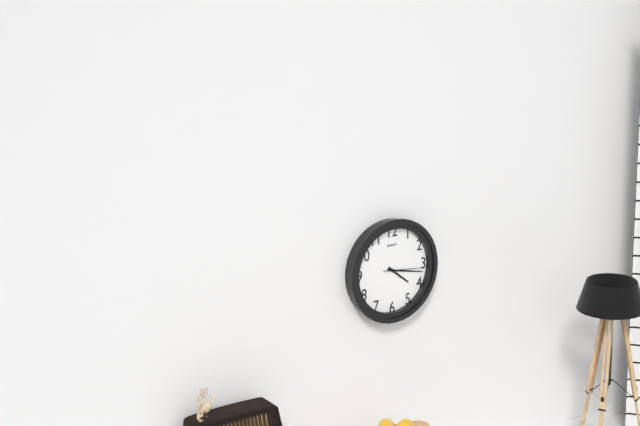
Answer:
4,17
